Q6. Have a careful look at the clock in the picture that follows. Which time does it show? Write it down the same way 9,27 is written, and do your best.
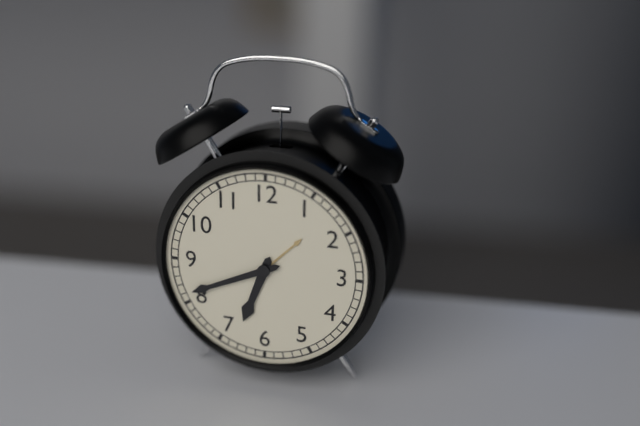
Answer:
6,41
